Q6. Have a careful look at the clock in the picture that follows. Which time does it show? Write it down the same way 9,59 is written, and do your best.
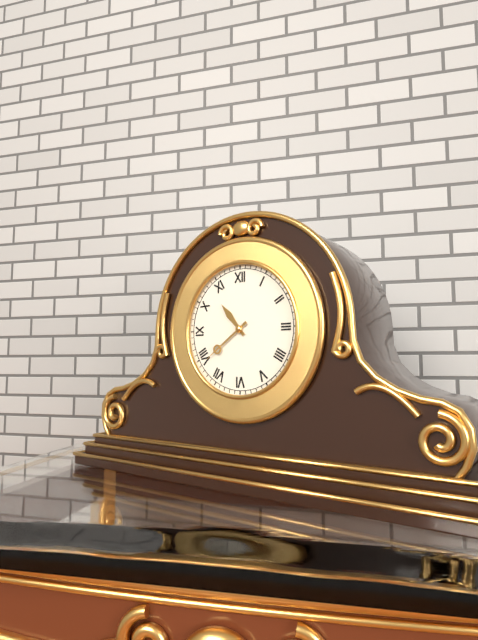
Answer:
10,39
